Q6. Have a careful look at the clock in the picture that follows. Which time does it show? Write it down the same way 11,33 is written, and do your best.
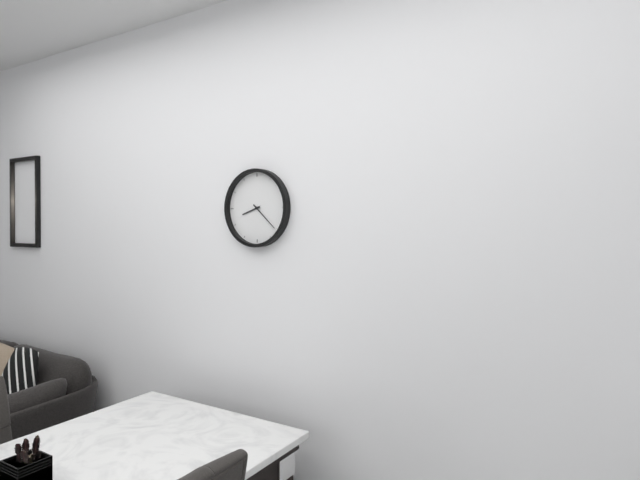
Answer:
8,22
